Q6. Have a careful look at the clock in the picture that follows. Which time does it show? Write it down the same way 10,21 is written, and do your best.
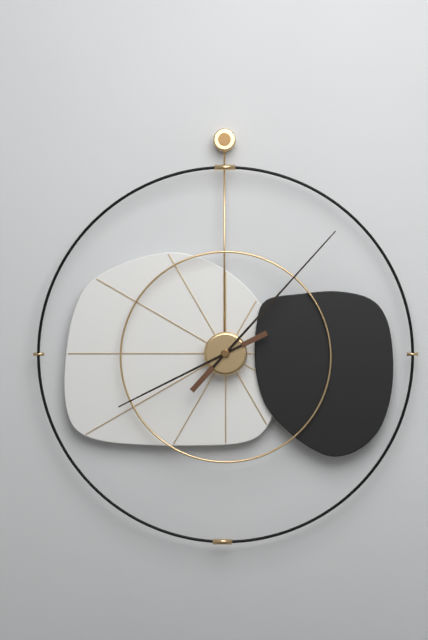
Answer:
8,07
